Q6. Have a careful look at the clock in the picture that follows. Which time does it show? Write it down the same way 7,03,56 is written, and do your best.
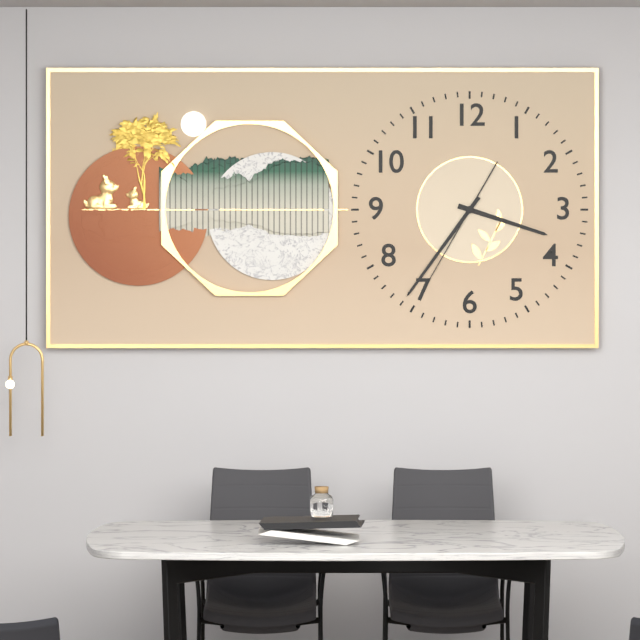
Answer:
3,36,35
